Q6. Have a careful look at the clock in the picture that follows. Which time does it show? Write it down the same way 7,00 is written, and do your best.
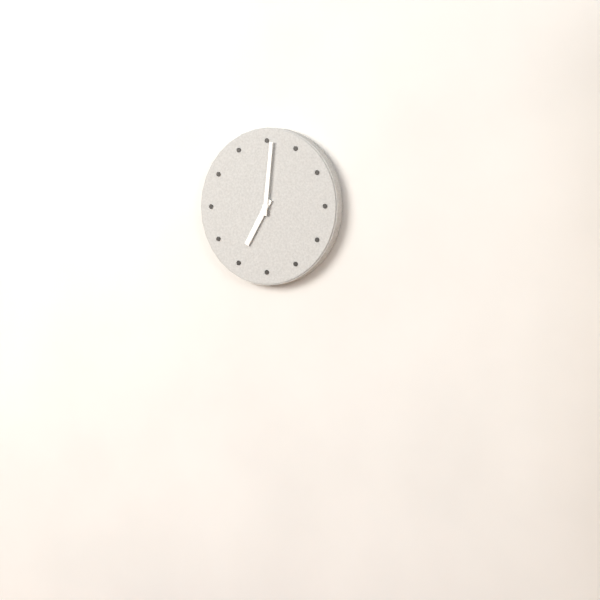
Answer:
7,01
